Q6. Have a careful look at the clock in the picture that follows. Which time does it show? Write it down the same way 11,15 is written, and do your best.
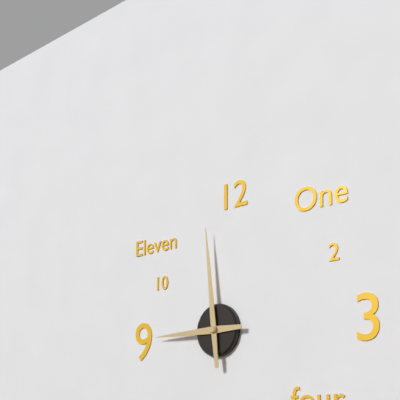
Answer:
8,59
